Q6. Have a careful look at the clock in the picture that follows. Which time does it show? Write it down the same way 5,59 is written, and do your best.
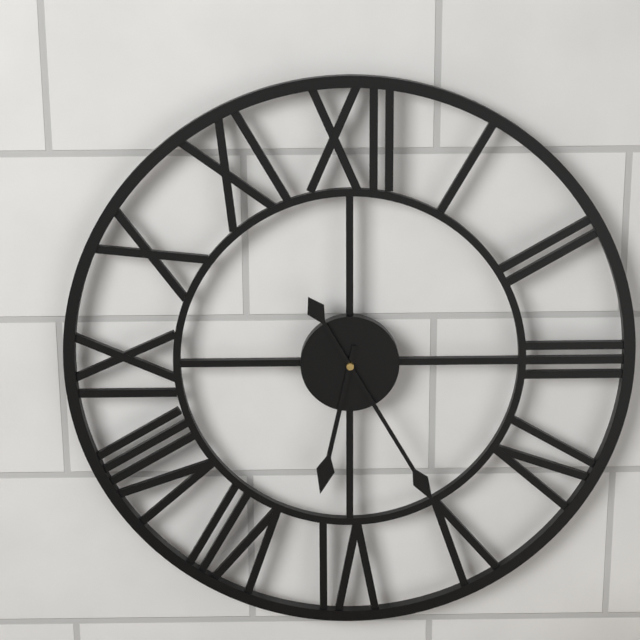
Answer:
6,25
